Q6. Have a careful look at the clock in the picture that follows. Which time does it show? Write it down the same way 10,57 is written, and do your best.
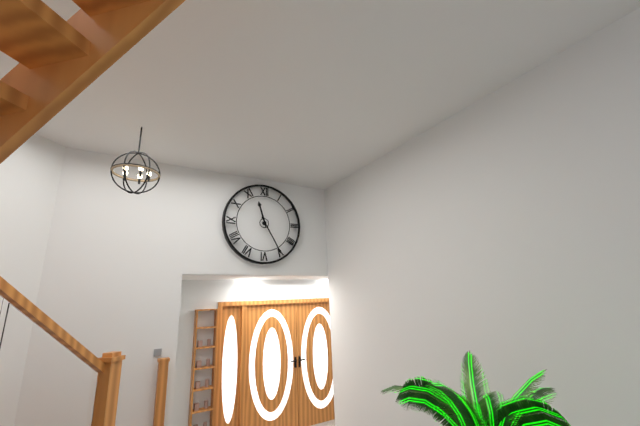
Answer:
11,25
